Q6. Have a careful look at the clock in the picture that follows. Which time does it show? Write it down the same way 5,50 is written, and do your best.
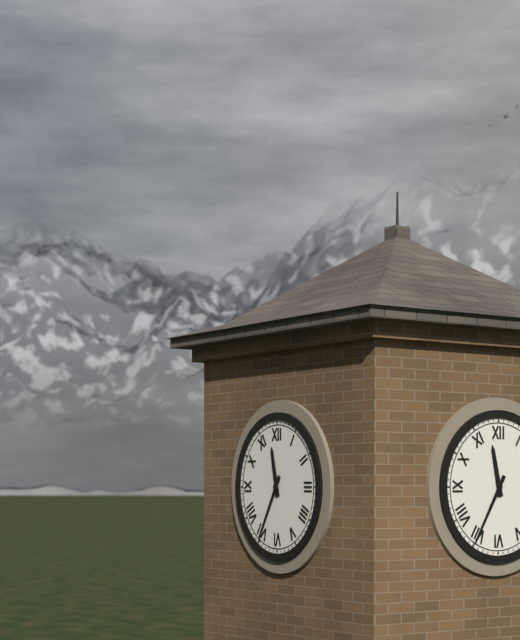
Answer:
11,35
